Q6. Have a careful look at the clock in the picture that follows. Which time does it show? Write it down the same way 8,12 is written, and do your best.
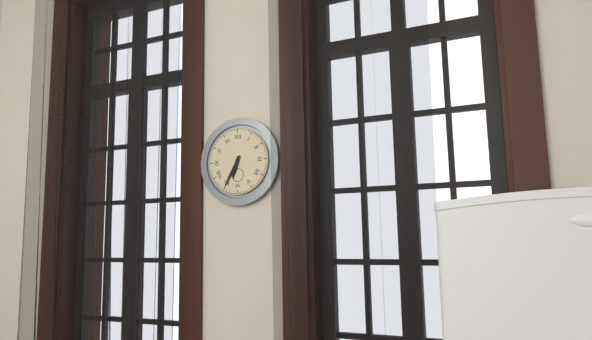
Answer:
6,35
